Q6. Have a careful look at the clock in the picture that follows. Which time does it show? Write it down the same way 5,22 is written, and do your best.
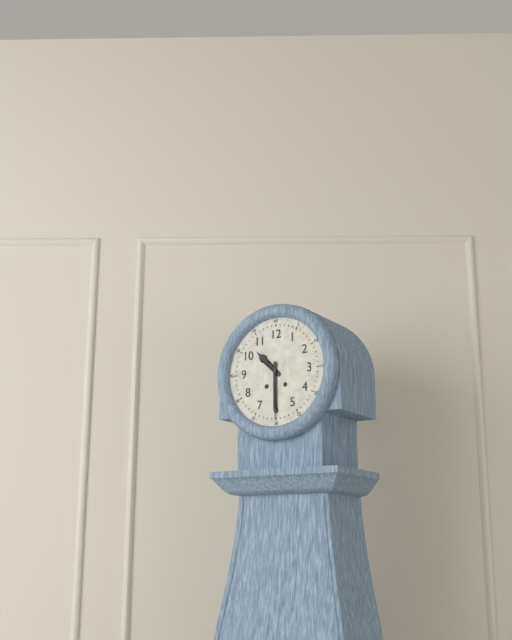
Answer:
10,30
